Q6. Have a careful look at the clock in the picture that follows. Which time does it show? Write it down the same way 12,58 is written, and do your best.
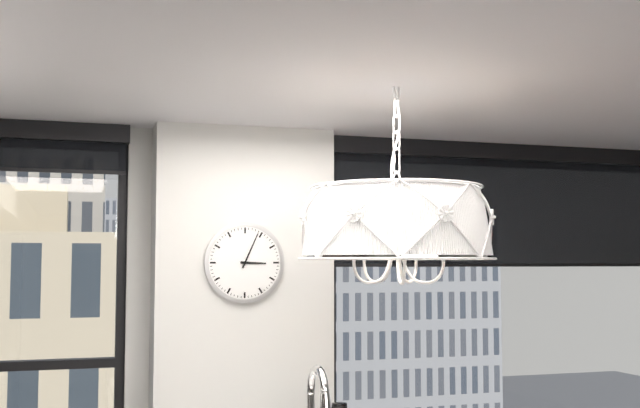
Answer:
3,04
